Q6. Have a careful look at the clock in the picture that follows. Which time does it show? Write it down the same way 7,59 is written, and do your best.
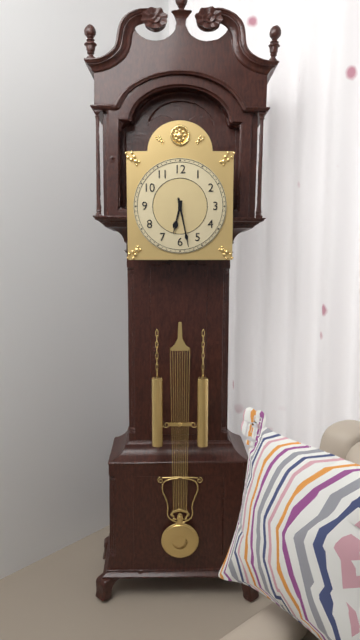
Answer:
6,28
